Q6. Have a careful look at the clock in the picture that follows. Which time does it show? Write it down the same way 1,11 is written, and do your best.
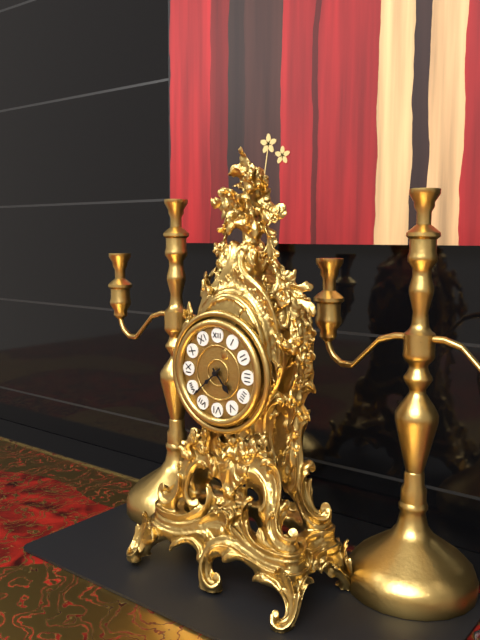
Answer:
4,38
